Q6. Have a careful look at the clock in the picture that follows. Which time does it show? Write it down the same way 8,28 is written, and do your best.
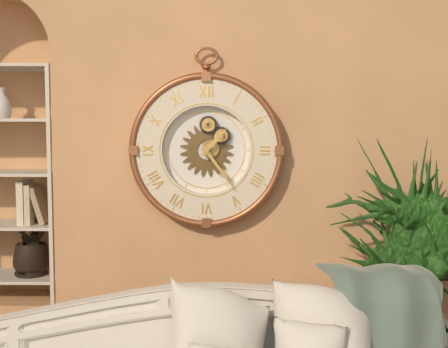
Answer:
1,24
